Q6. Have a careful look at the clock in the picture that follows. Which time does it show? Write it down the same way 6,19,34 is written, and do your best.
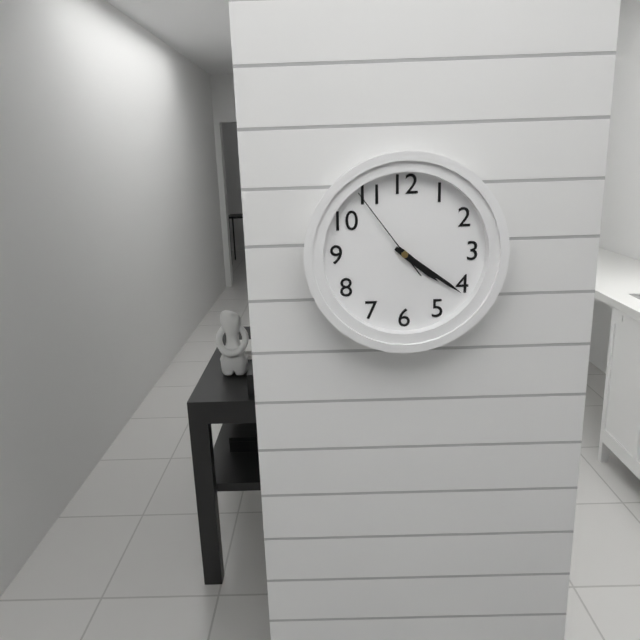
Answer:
4,21,54
